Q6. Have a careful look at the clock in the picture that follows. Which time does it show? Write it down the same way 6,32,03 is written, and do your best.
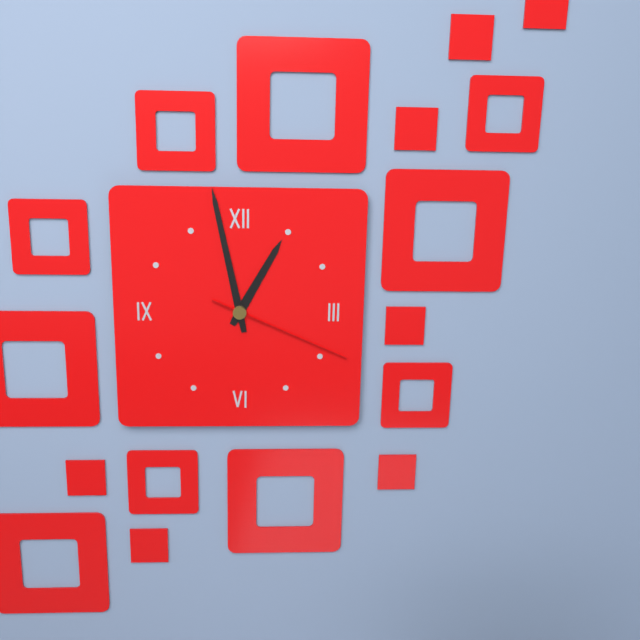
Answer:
12,58,19
